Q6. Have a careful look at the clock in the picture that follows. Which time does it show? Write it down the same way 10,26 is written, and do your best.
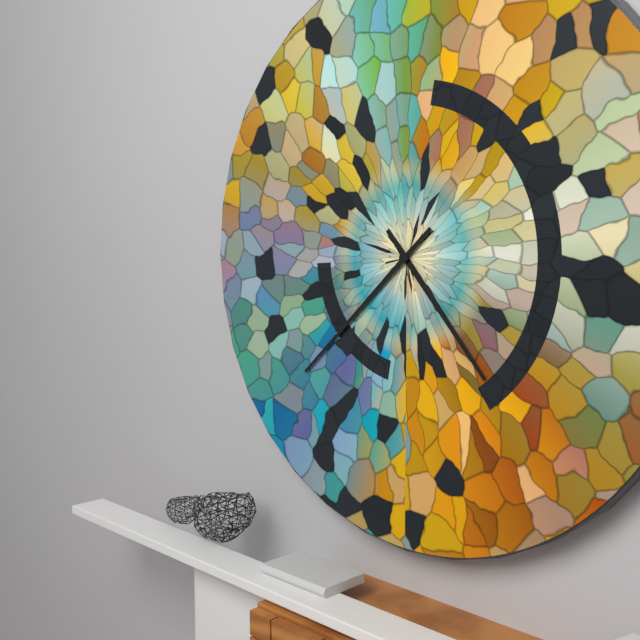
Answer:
4,38
